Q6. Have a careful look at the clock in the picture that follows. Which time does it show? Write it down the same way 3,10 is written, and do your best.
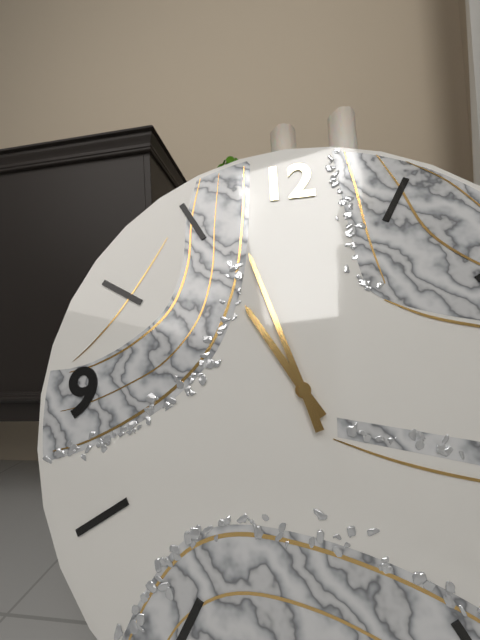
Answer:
10,57
